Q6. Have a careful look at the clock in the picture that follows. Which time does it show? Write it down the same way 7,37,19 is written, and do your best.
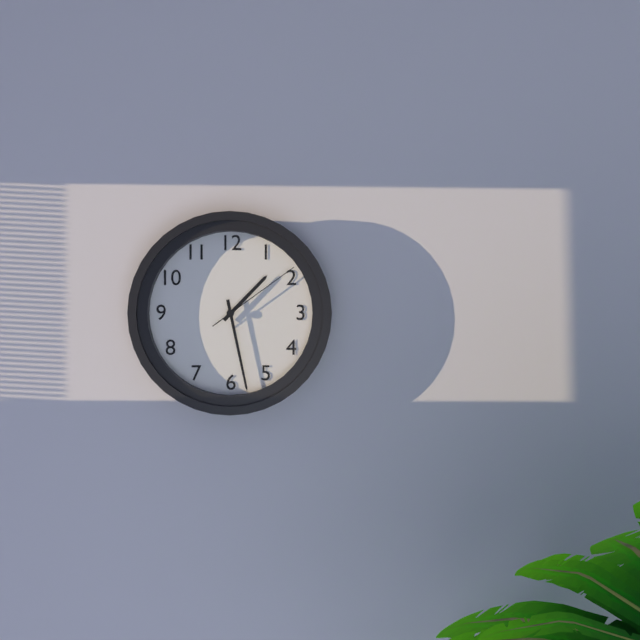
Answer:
1,28,09
